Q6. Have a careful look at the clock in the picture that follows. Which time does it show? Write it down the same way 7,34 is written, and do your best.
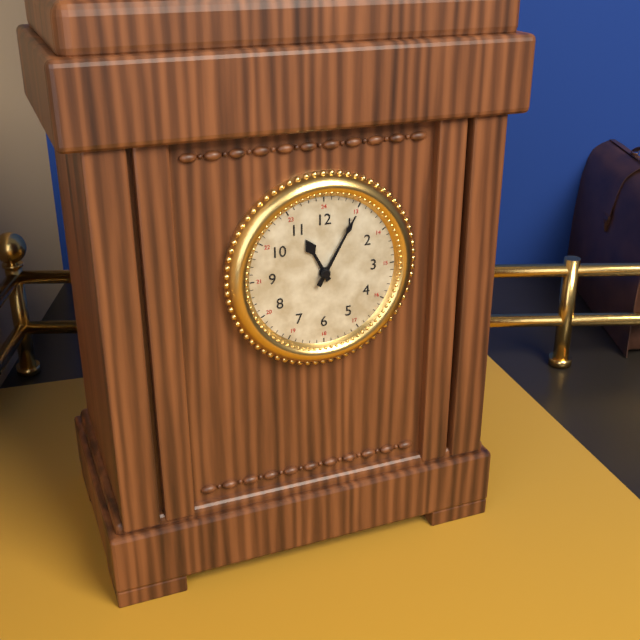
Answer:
11,05
